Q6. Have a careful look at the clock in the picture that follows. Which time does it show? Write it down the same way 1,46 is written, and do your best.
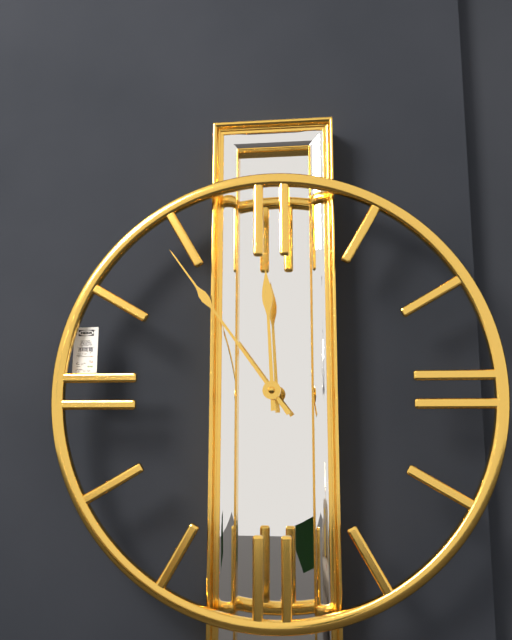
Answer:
11,54
